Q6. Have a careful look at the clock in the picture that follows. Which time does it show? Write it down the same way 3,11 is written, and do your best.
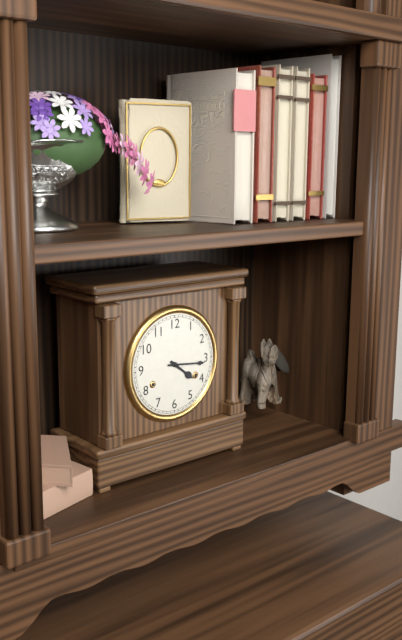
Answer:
4,16
